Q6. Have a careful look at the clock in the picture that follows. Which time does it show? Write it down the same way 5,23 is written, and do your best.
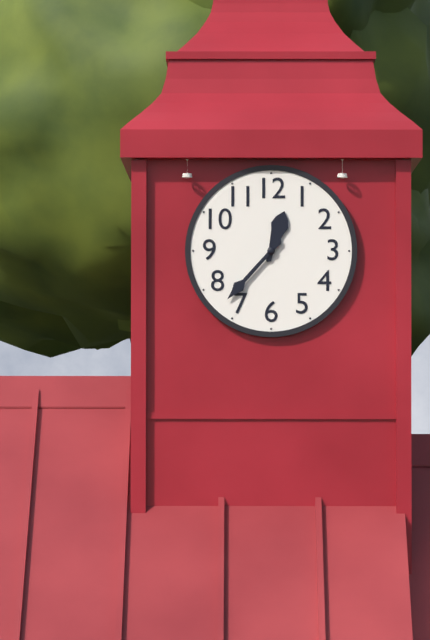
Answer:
12,37
